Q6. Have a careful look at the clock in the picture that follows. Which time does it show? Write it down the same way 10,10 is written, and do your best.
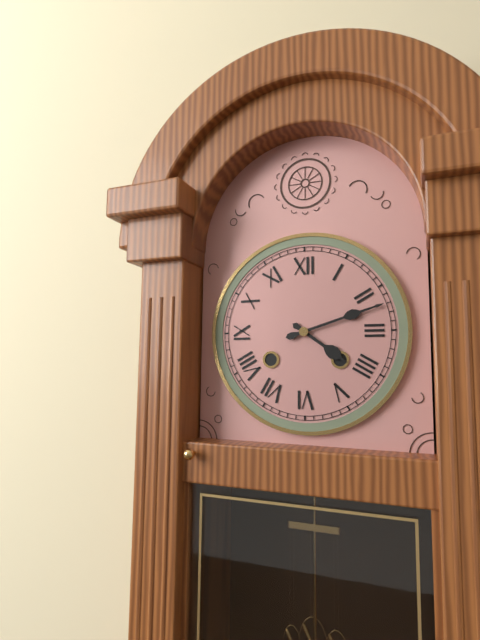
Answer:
4,12
